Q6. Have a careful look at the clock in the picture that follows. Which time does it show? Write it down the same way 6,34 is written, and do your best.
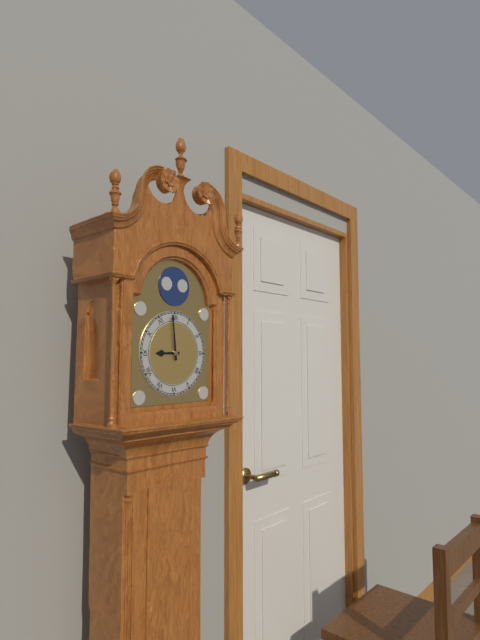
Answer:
8,59
